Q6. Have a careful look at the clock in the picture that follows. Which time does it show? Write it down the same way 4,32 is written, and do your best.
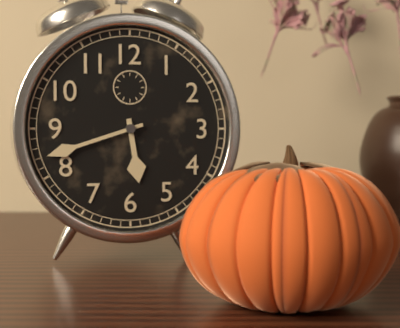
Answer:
5,42
